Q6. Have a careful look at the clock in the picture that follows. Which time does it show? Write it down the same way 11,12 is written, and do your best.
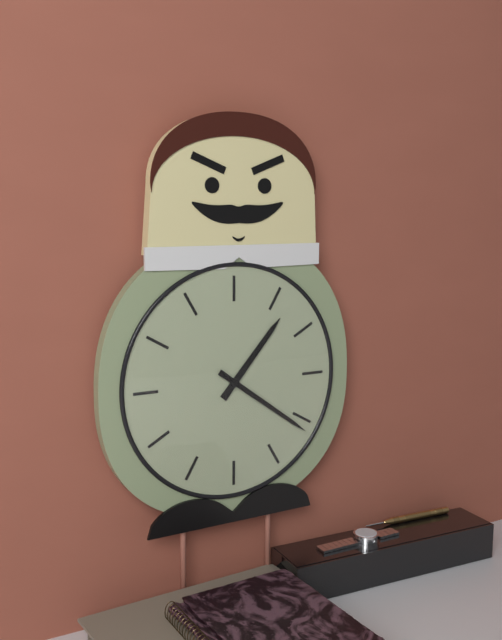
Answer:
1,21
